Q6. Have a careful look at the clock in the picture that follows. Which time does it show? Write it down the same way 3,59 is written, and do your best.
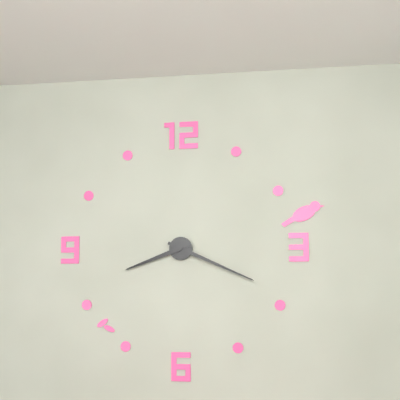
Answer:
8,19
